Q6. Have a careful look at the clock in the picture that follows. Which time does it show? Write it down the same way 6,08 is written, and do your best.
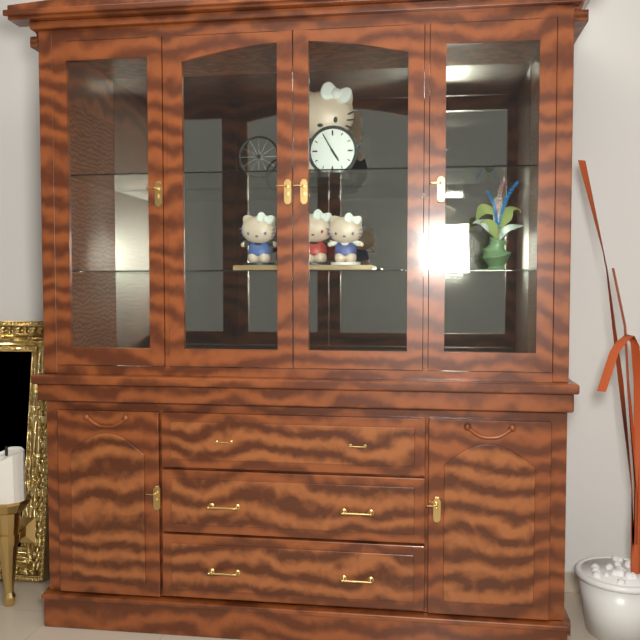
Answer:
4,55
